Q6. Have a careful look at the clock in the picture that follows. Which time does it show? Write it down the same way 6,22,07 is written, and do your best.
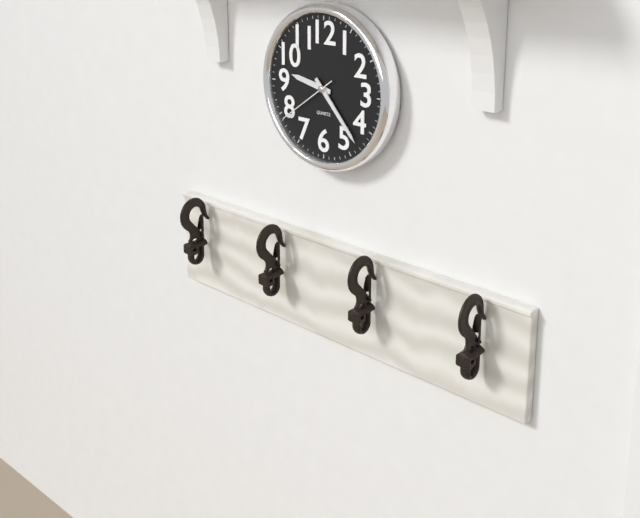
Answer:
9,23,39
